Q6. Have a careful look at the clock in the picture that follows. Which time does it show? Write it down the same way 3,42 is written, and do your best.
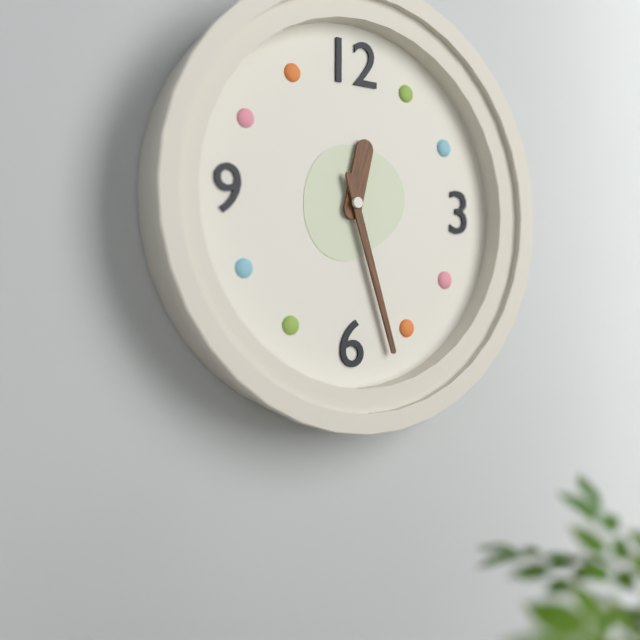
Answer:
12,27
